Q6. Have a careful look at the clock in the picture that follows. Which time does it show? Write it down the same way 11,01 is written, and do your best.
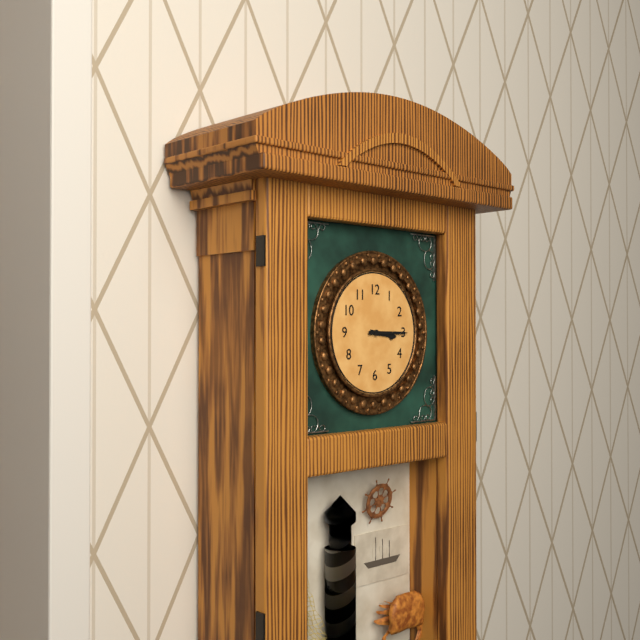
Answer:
3,15
